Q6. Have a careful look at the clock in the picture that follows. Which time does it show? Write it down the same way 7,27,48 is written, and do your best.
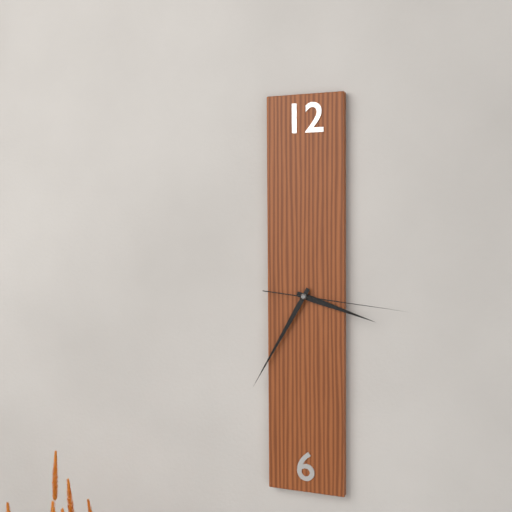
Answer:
3,35,16
